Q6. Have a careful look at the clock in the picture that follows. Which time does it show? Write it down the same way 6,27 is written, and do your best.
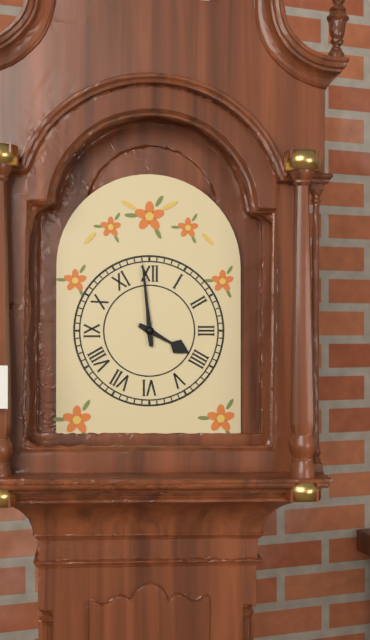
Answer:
3,59
